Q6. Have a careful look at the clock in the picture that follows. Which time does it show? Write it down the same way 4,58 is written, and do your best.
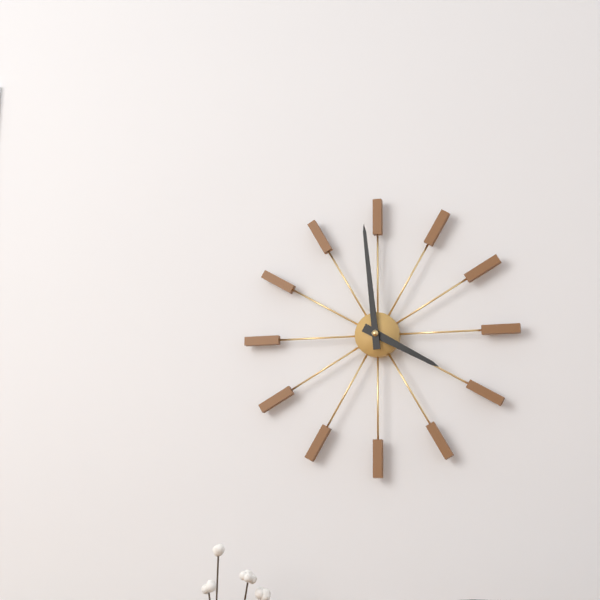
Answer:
3,59
